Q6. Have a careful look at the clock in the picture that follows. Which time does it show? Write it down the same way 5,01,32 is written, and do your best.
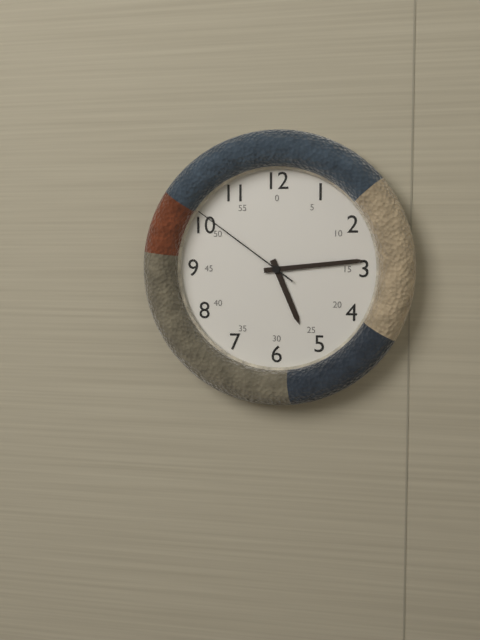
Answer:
5,14,51
